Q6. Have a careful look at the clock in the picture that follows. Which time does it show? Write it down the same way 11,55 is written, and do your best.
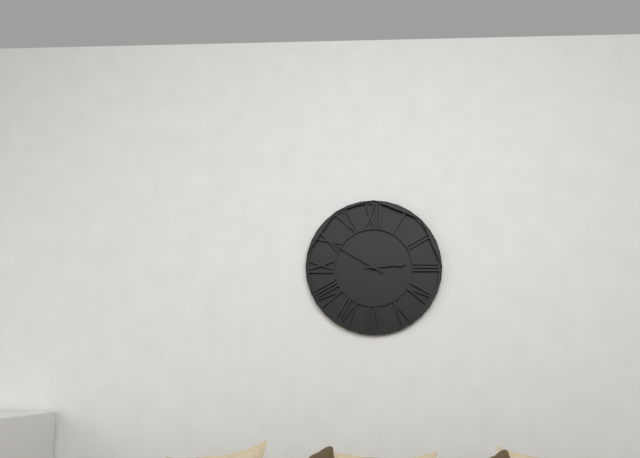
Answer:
2,50
